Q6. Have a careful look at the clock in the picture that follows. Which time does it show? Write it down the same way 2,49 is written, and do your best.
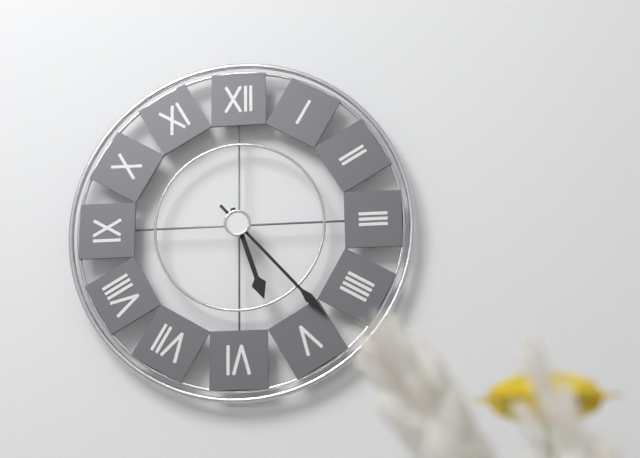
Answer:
5,23
